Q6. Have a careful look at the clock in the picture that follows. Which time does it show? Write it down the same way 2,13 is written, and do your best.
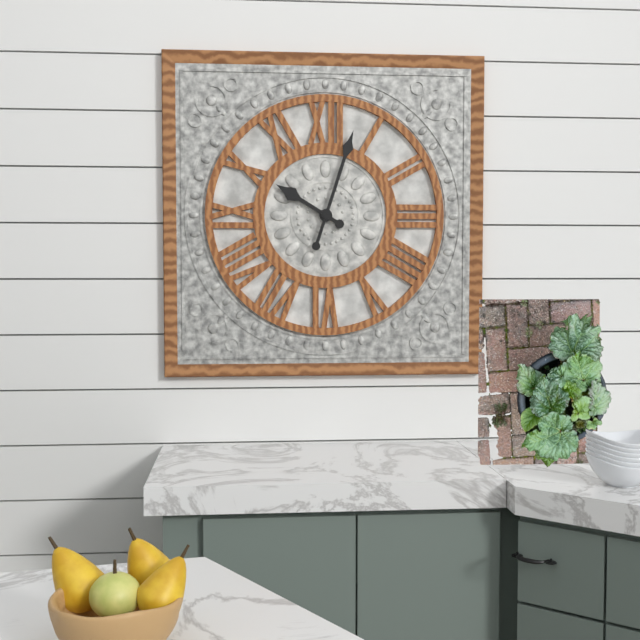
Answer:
10,03
